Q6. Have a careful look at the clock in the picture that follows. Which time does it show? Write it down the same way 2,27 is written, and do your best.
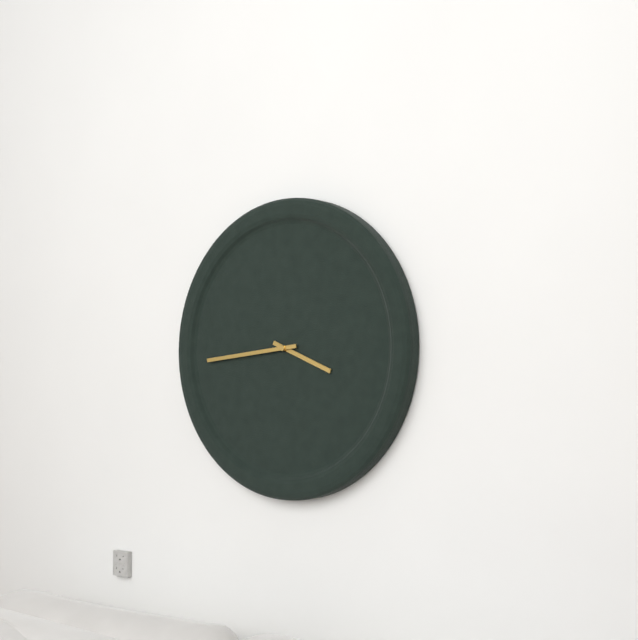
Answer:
3,44
